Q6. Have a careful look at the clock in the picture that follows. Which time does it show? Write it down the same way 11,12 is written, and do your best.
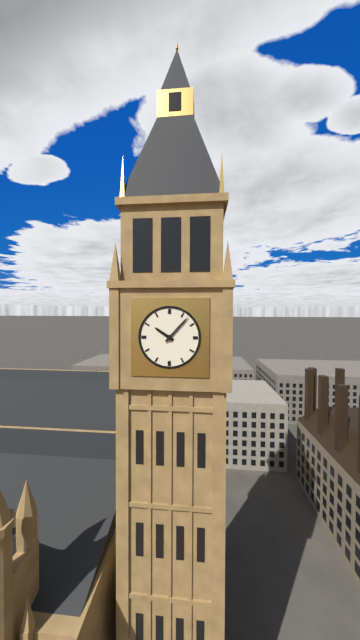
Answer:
10,07
